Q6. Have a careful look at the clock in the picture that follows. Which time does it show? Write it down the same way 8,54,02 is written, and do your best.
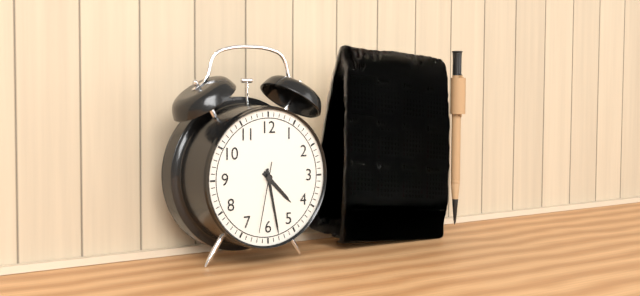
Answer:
4,28,32
